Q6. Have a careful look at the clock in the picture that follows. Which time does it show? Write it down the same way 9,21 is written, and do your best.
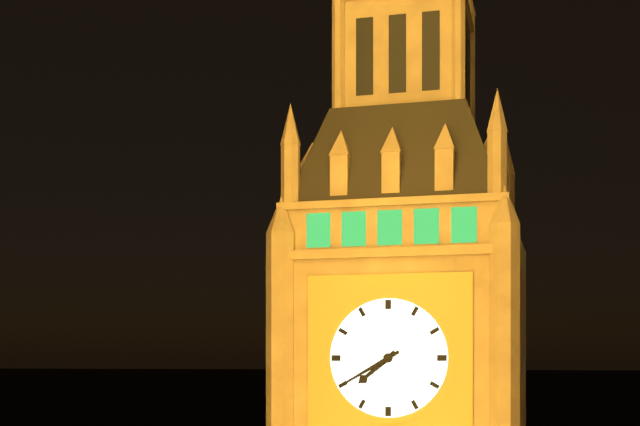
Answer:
7,40
